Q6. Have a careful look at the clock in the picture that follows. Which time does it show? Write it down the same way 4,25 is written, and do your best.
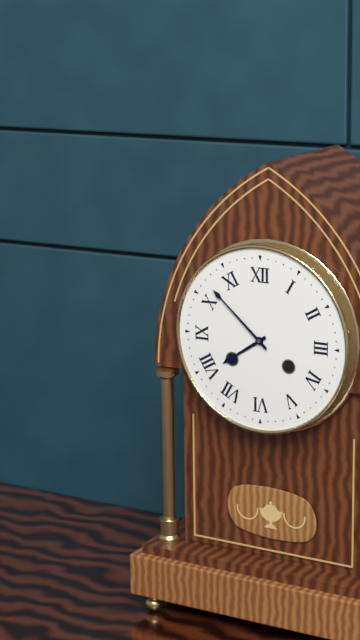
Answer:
7,52
